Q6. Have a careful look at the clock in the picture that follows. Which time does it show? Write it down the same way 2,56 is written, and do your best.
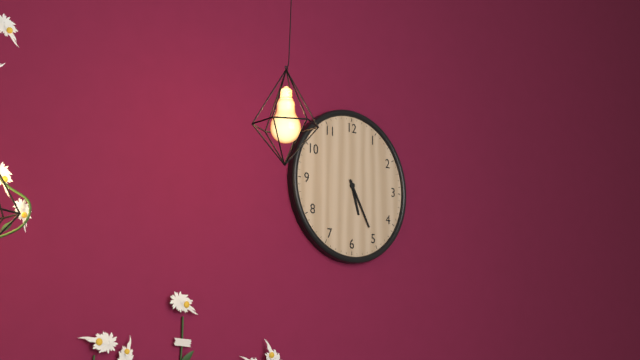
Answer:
5,25
